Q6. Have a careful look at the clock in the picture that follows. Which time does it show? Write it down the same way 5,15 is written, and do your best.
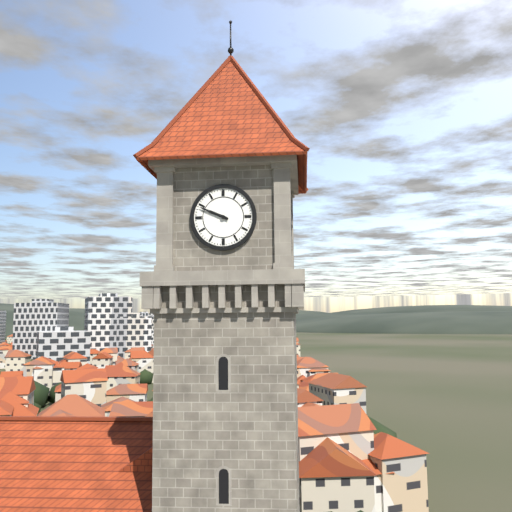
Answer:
9,49
